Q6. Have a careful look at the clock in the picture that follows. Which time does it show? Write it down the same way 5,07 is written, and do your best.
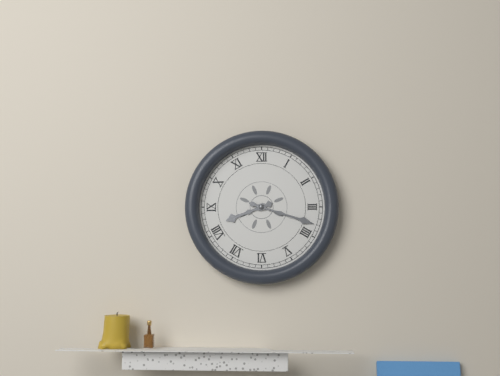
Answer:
8,18
